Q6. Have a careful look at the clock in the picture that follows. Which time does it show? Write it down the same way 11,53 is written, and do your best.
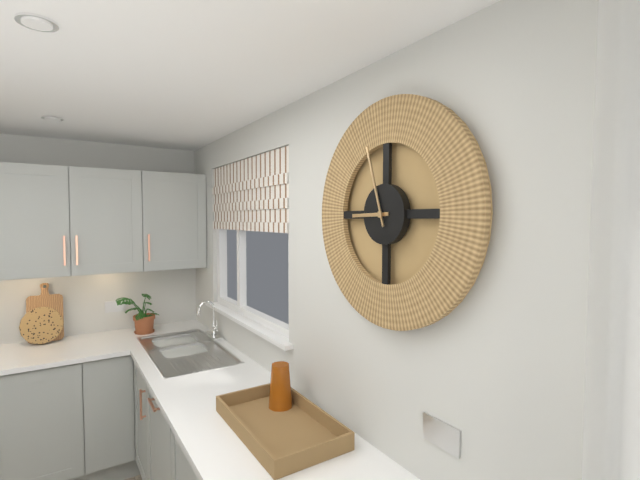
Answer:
8,57
